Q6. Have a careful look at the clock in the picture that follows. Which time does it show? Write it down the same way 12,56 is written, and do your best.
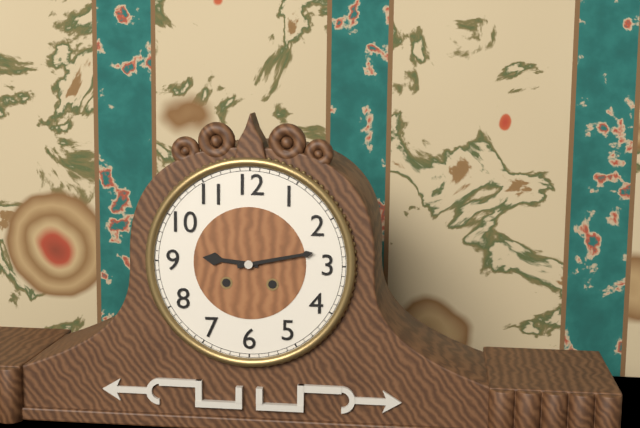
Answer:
9,13
